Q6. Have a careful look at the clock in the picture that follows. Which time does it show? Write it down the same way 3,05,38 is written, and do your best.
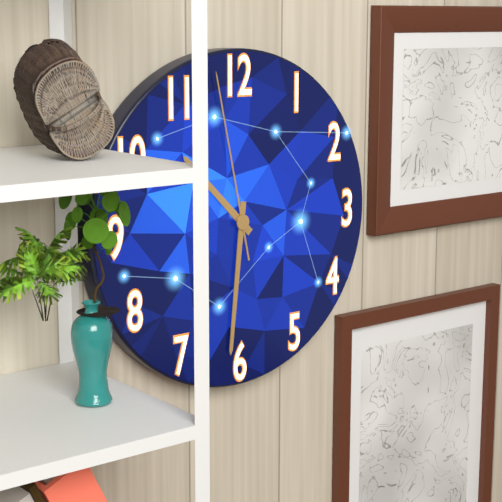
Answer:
10,31,58
